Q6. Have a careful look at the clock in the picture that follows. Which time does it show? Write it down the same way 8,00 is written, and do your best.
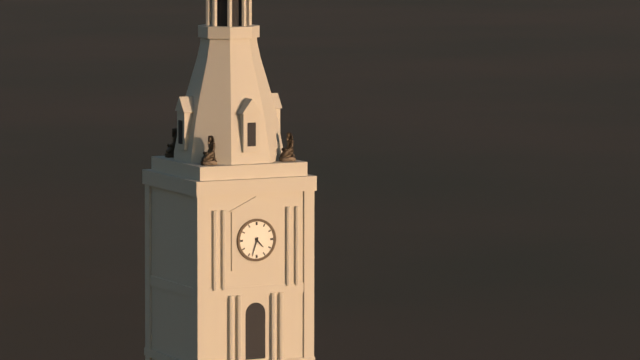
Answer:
4,33
